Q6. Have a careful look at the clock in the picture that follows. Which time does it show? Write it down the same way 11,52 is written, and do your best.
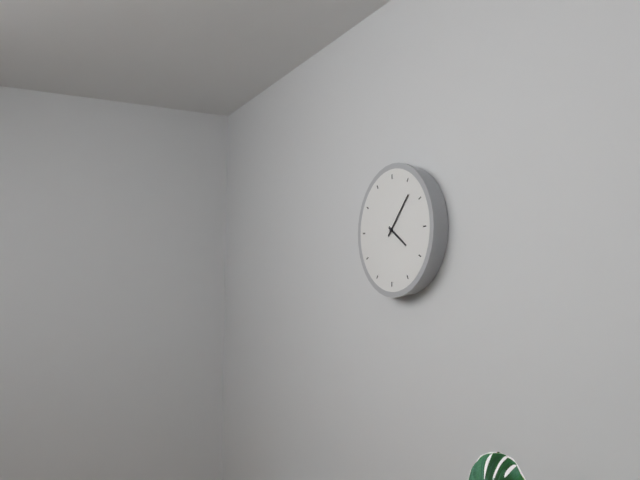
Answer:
4,07
